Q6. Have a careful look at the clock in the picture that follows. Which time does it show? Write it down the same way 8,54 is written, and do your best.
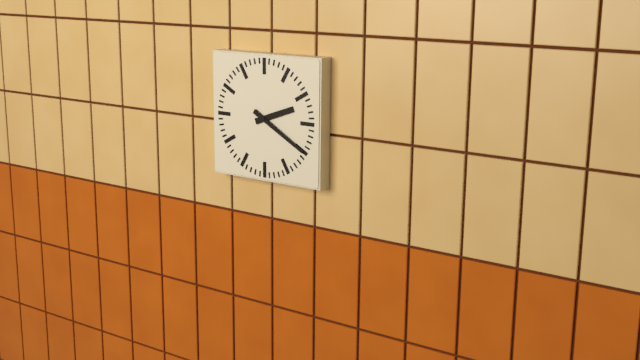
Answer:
2,20
